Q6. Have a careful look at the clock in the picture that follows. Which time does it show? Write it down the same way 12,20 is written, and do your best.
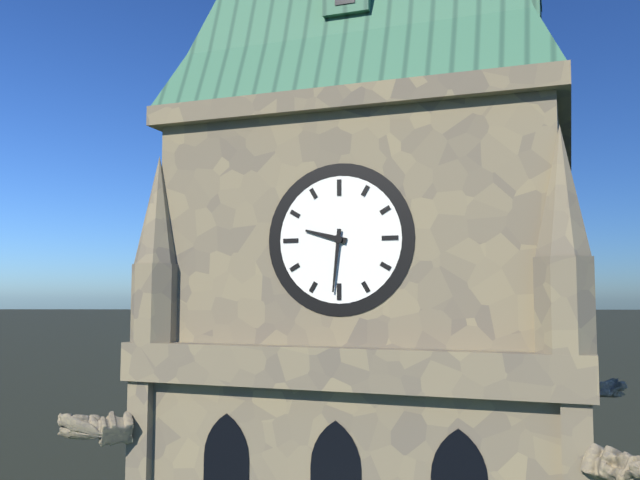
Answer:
9,31
